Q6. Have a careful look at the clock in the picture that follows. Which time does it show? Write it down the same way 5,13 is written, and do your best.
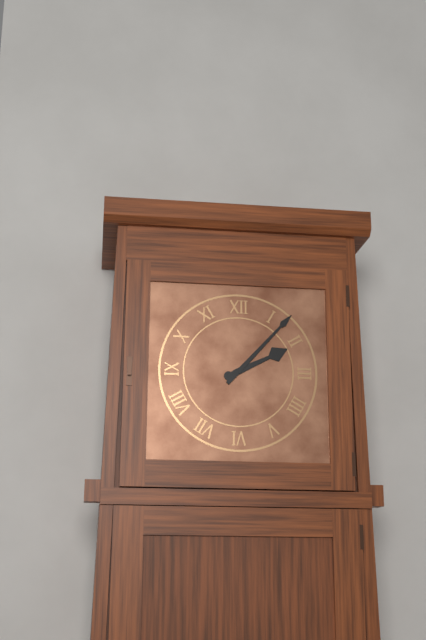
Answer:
2,07
